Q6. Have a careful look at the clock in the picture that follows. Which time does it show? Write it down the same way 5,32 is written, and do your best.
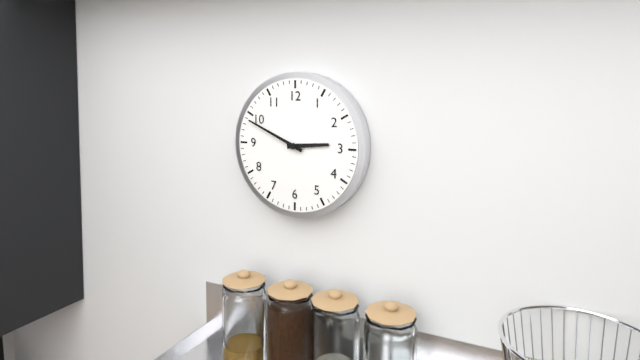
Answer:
2,49
